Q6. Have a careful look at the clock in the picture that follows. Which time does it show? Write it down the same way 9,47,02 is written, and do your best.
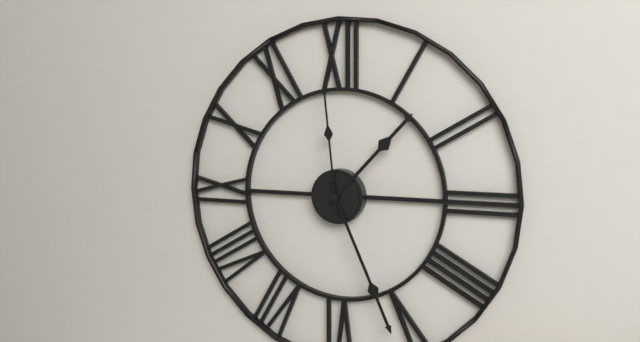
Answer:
1,26,59
